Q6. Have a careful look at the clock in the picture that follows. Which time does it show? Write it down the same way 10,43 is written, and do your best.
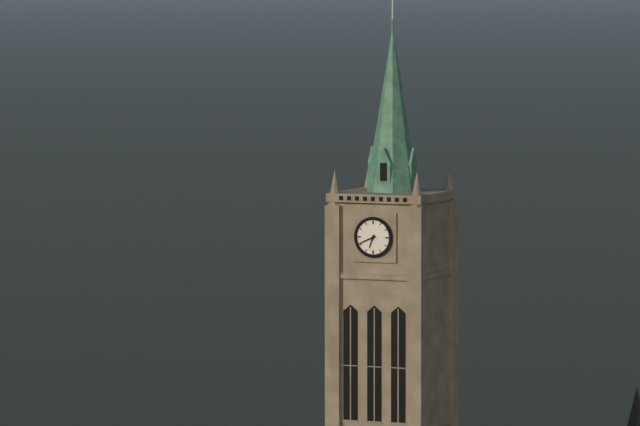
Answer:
6,41
